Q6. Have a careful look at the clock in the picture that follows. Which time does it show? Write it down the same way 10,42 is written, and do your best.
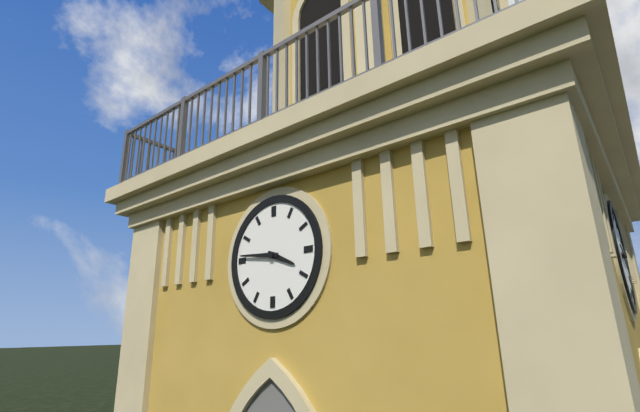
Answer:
3,46
